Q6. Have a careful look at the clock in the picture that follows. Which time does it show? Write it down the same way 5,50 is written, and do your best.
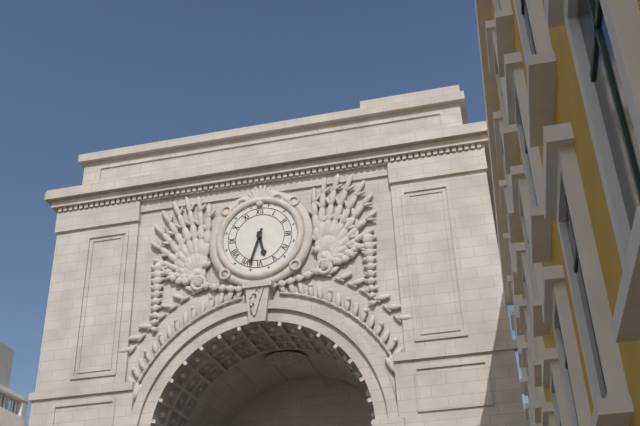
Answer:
5,33
